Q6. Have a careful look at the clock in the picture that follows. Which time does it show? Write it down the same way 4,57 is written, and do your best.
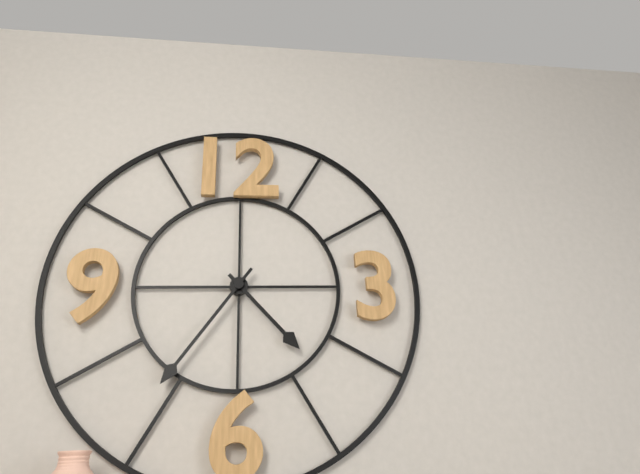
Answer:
4,36
